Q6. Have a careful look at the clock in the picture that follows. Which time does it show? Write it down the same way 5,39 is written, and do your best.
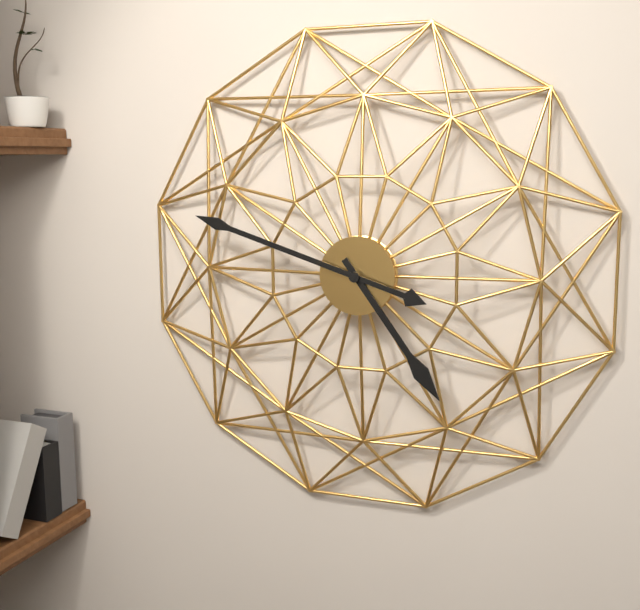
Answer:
4,48
